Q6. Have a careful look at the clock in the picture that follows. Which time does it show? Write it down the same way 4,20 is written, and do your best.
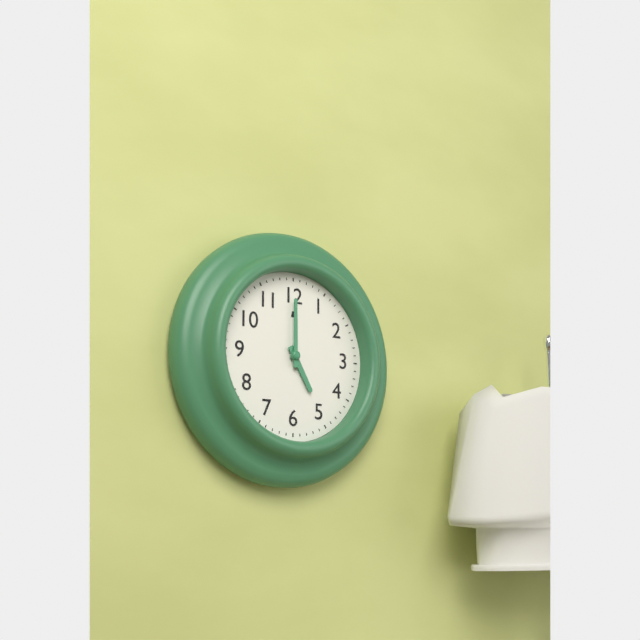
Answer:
5,00
